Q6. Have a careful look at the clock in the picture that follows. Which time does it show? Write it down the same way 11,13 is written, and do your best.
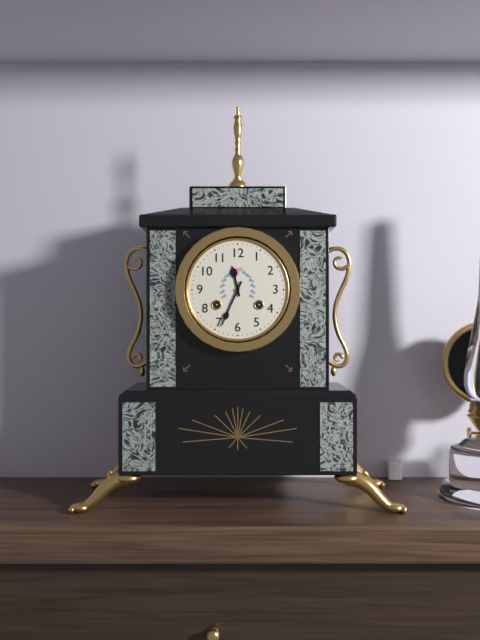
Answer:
11,34
